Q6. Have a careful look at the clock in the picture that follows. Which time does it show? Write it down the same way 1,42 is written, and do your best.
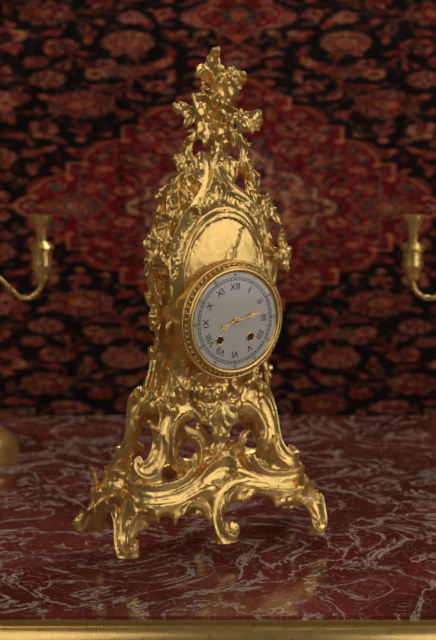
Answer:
8,13
